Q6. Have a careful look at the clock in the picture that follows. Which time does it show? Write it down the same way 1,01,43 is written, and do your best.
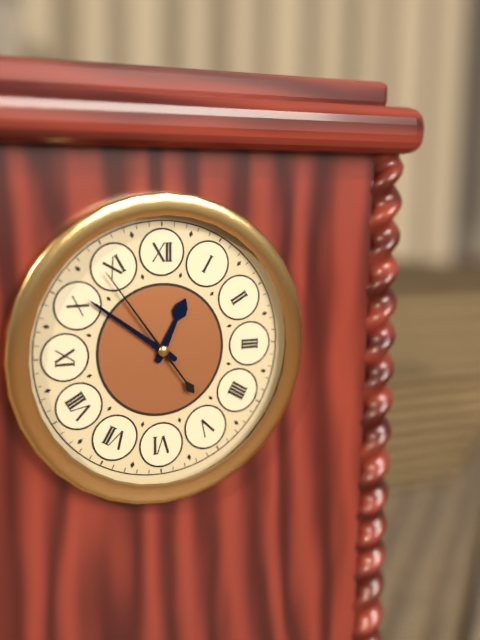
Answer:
12,51,54
